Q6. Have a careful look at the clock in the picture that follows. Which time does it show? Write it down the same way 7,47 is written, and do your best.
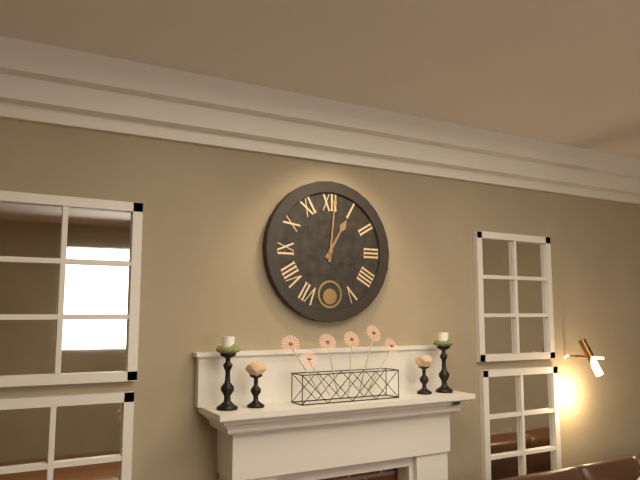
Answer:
1,01
